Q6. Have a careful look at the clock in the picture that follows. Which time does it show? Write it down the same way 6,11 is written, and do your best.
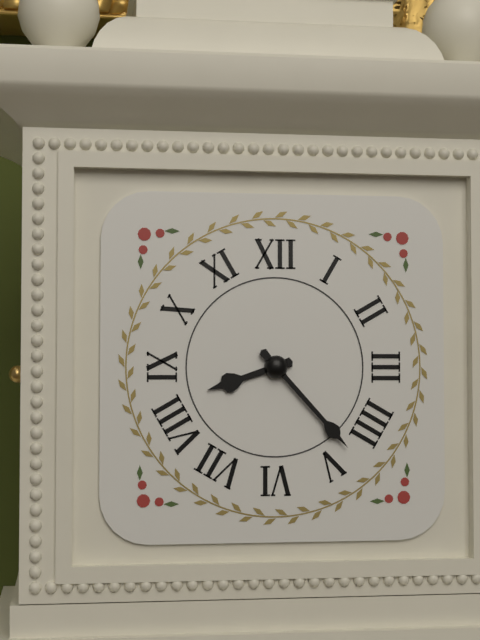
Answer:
8,23
